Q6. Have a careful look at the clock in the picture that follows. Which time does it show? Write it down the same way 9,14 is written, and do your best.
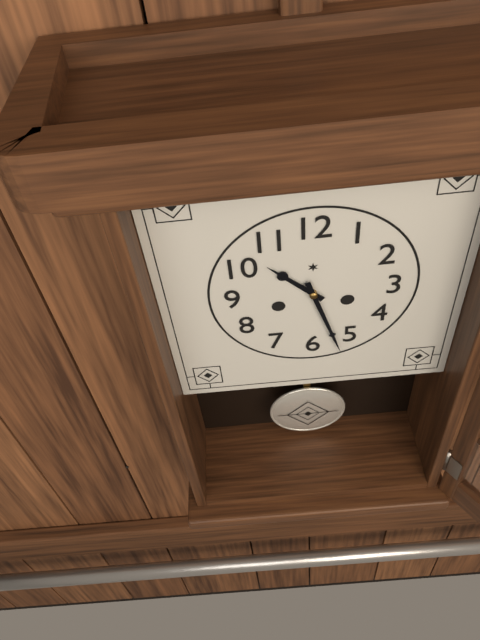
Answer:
10,27
